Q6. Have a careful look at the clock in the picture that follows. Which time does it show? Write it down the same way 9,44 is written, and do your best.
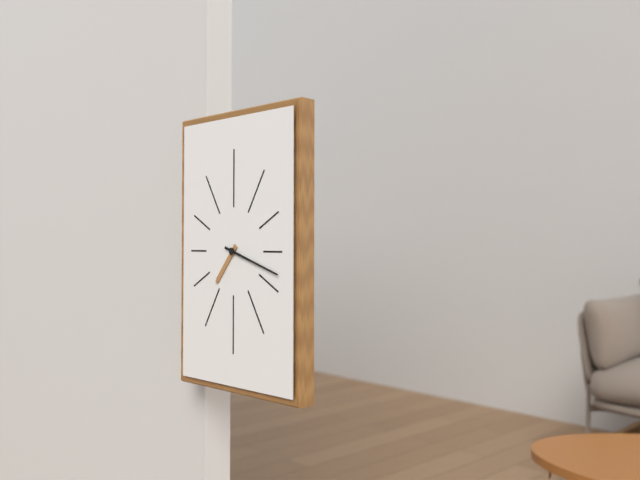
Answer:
7,18
